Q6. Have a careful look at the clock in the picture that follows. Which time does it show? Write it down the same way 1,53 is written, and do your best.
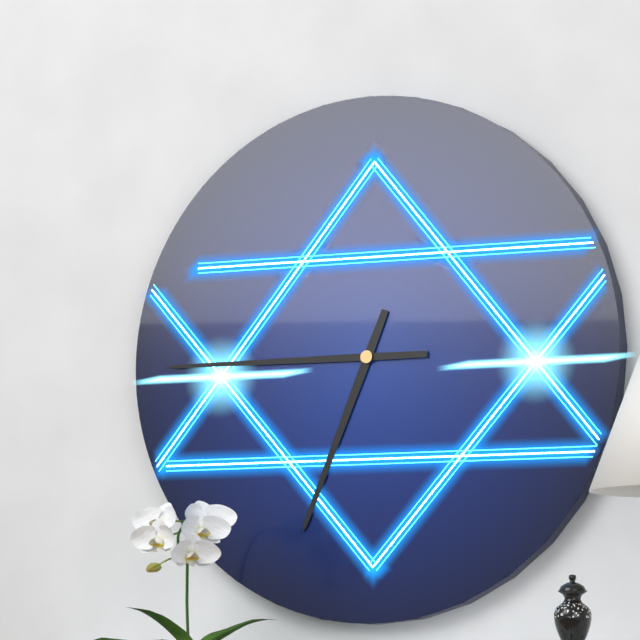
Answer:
6,45
